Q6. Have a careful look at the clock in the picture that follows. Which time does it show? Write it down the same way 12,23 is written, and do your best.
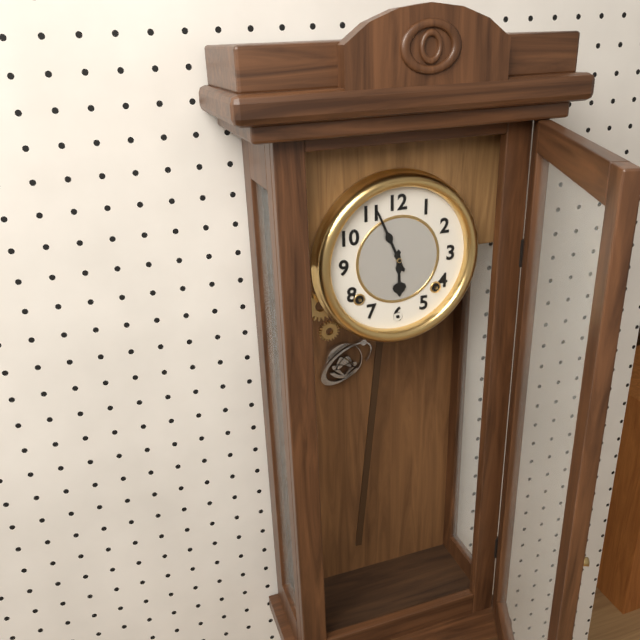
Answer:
5,56
